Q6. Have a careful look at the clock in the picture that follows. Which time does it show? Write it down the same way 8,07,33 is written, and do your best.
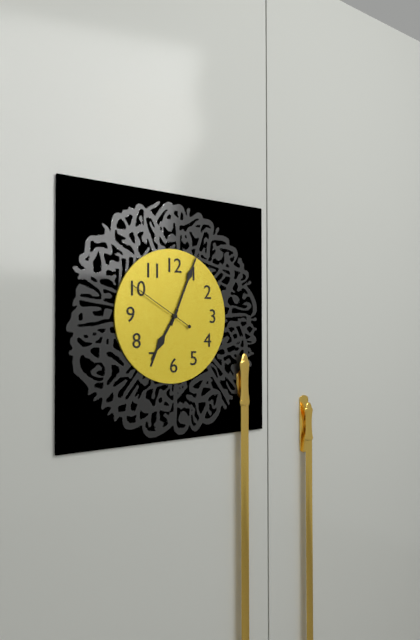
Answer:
7,04,50
